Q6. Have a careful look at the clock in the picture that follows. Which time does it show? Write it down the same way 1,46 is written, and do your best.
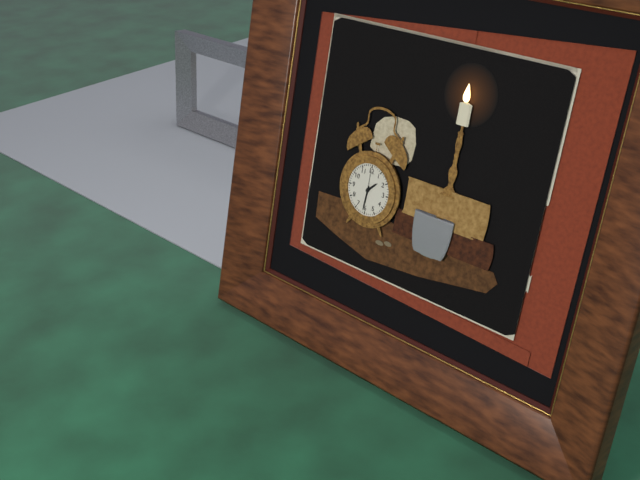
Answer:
1,31
